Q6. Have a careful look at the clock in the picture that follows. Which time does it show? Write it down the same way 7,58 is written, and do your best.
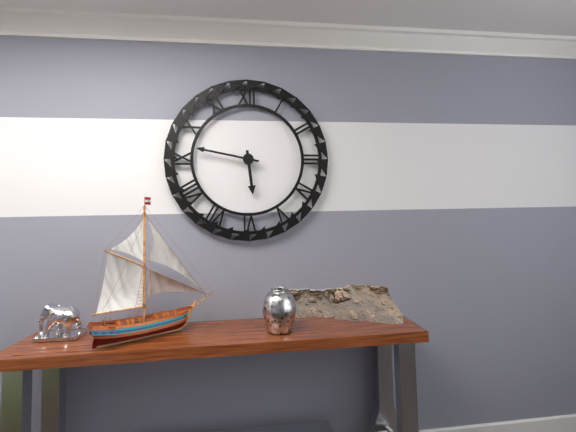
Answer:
5,47
